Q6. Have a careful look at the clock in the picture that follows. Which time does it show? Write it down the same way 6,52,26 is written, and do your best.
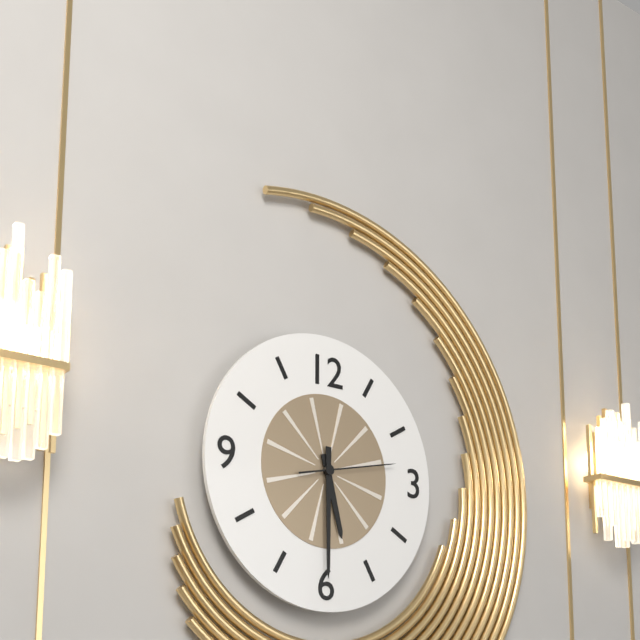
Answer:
5,30,13
